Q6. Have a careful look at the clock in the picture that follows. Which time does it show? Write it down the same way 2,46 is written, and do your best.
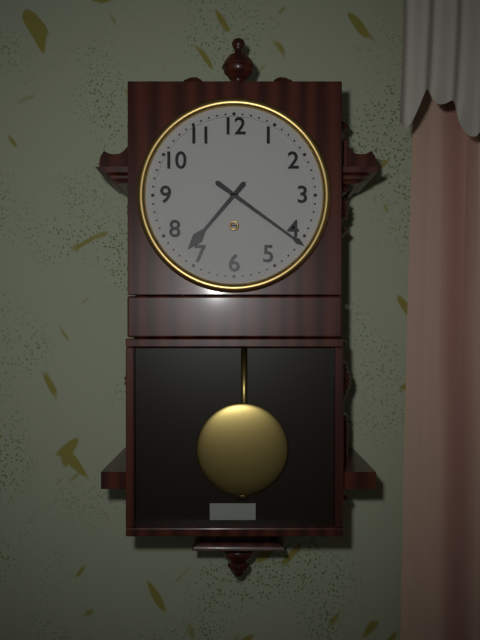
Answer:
7,21
